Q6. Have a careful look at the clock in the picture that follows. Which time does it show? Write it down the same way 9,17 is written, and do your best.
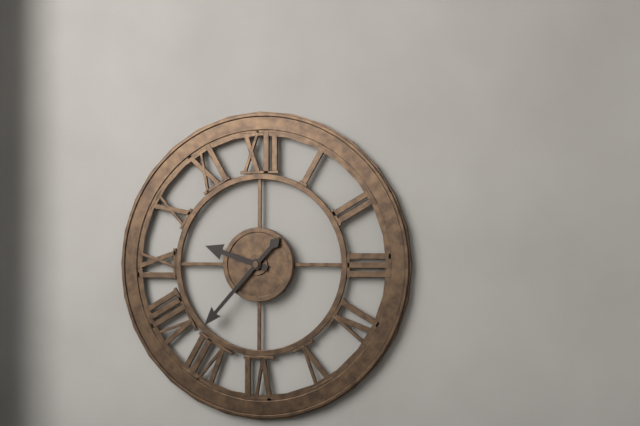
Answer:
9,37
